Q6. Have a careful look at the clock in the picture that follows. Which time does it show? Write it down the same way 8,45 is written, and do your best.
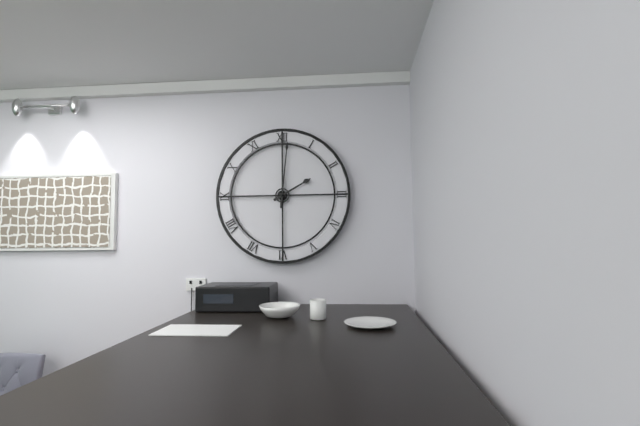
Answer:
2,01
